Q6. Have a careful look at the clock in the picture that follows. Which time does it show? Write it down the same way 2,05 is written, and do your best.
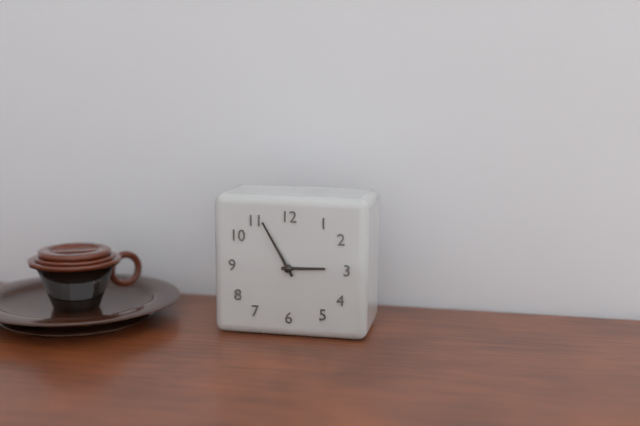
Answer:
2,55
